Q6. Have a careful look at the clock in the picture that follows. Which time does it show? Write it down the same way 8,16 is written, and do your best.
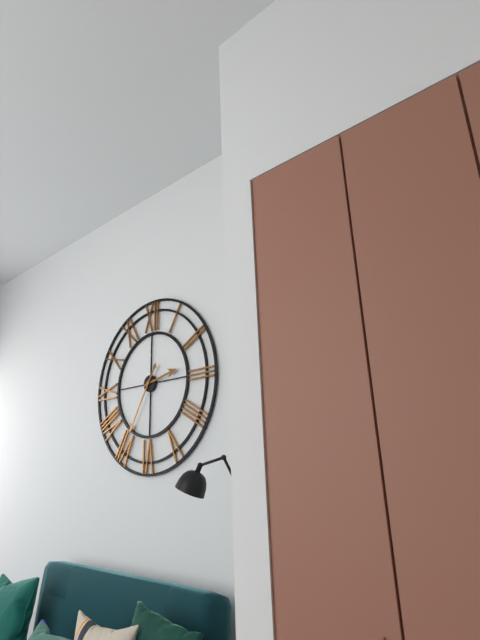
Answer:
2,35
